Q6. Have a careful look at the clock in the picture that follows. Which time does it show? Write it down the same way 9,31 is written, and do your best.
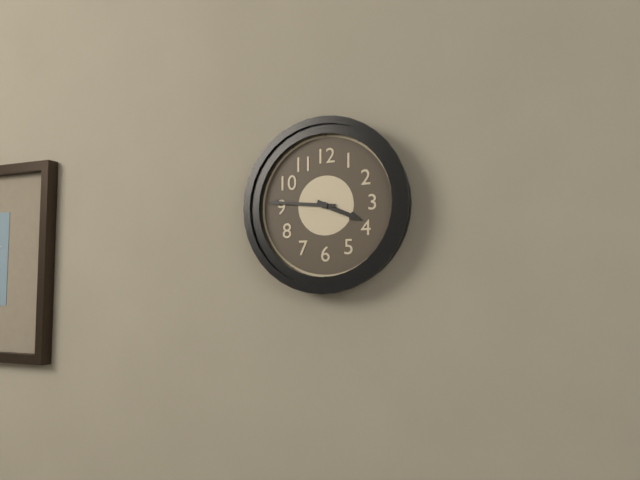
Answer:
3,46
